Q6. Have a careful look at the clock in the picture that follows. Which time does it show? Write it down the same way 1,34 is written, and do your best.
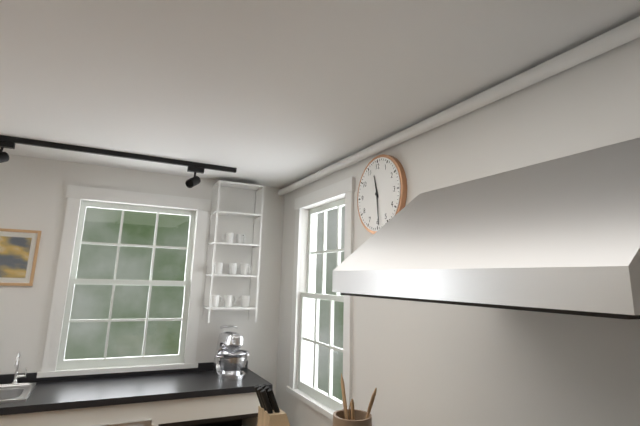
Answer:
11,29
